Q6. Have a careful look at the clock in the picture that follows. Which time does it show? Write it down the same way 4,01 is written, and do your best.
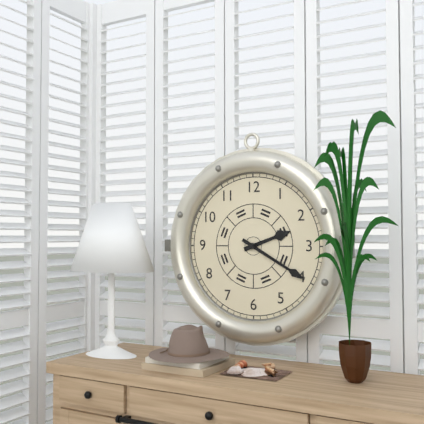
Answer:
2,20
